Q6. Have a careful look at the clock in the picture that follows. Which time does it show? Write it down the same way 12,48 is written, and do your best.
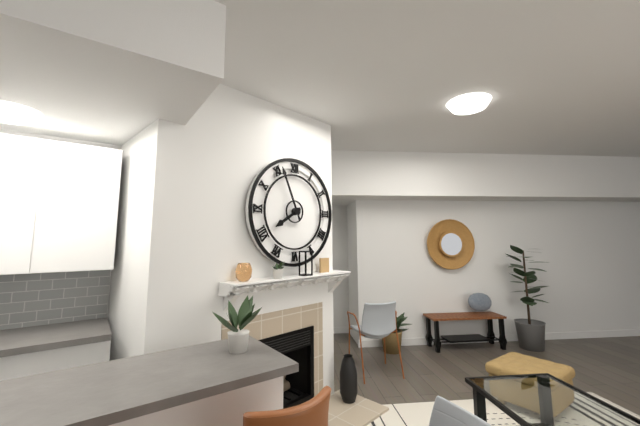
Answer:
7,56
